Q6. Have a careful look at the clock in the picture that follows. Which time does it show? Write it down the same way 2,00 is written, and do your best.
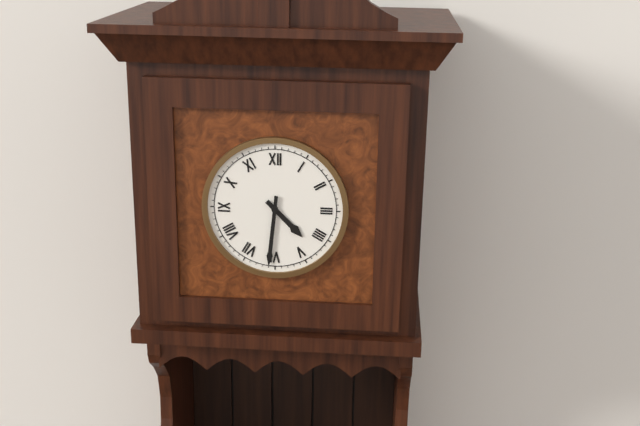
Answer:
4,31
